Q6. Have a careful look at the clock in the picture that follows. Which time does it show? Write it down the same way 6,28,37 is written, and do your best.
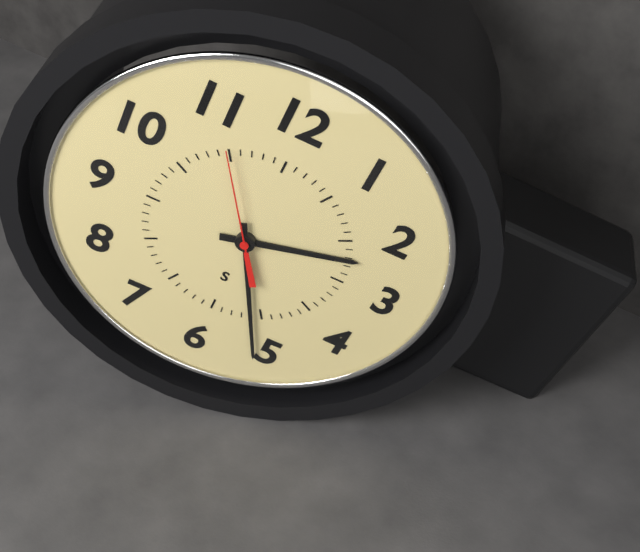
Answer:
2,26,55
